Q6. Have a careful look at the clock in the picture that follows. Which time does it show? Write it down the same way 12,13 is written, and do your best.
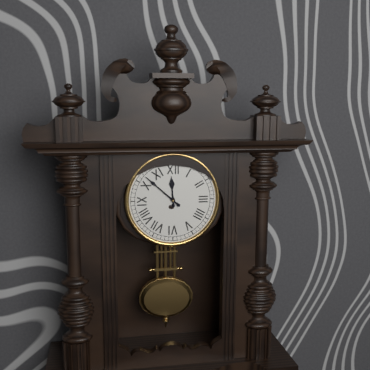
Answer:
11,52
